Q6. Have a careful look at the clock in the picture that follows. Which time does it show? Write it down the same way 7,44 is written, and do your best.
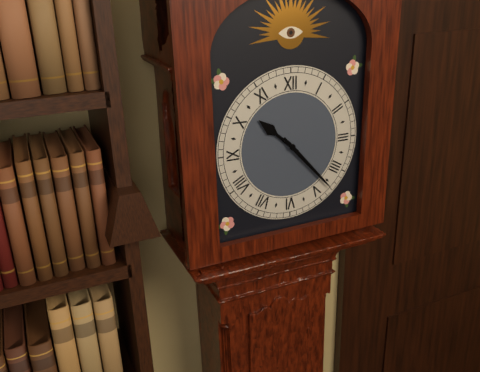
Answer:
10,23
